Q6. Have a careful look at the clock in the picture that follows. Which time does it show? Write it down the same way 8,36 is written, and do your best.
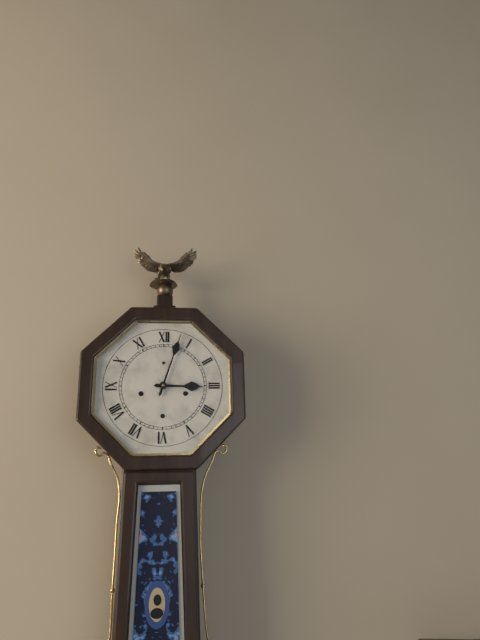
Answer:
3,03
